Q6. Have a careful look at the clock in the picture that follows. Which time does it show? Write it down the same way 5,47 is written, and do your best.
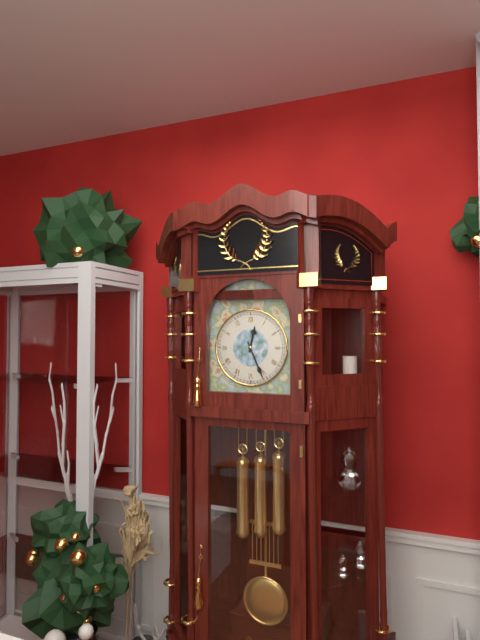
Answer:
12,26
